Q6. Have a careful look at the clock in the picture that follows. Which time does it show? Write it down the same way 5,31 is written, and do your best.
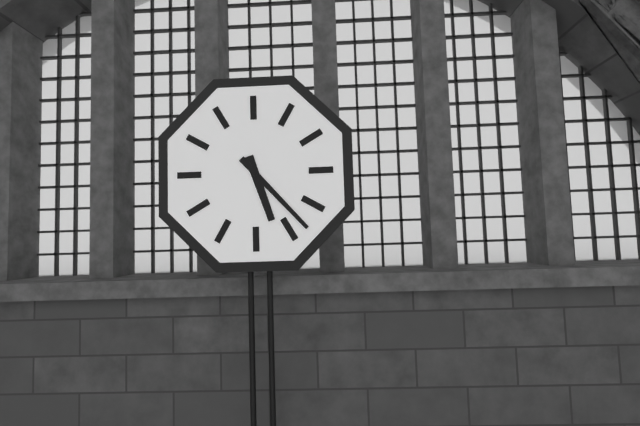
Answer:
5,23
